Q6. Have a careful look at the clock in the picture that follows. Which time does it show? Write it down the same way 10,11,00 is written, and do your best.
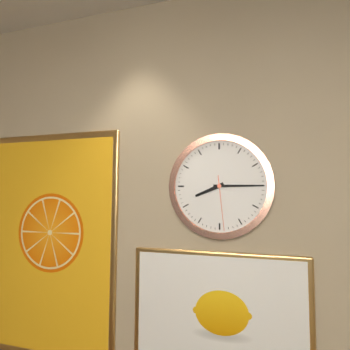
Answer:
8,15,29
